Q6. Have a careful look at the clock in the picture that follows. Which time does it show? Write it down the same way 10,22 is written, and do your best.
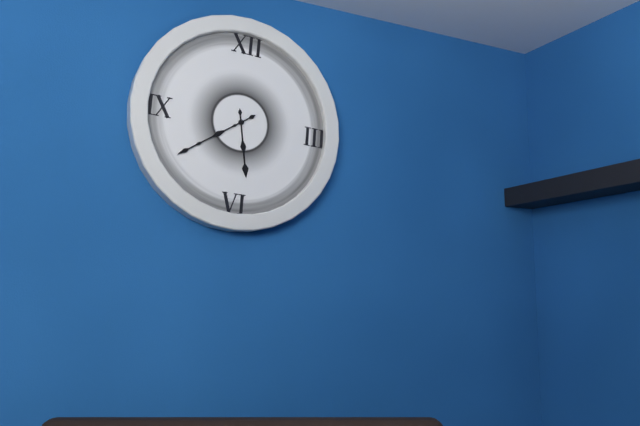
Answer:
5,39
